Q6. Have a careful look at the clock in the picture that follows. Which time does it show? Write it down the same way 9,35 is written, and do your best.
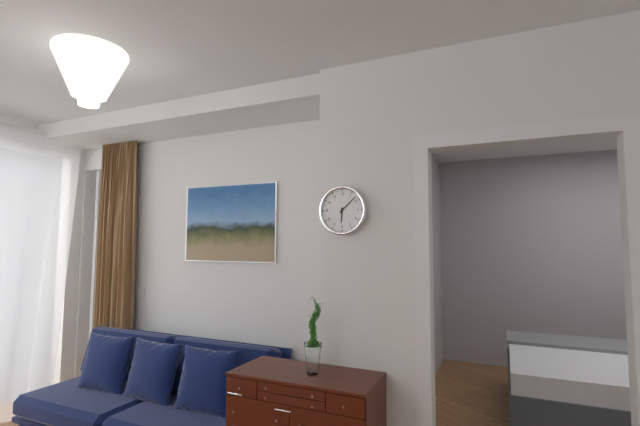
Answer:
6,08
